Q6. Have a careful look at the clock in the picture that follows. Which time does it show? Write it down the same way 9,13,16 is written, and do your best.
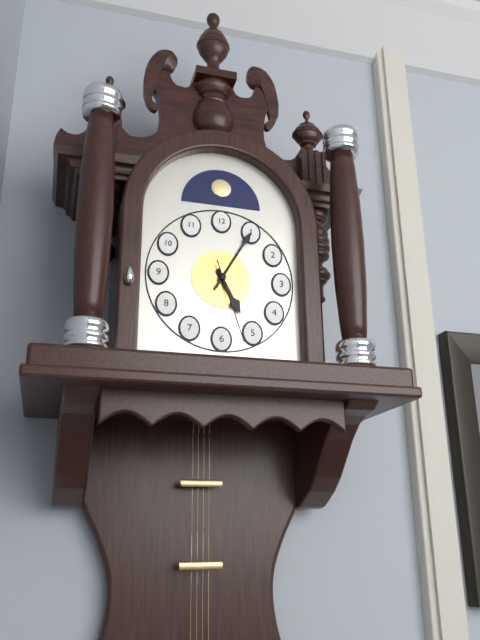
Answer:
5,05,27
